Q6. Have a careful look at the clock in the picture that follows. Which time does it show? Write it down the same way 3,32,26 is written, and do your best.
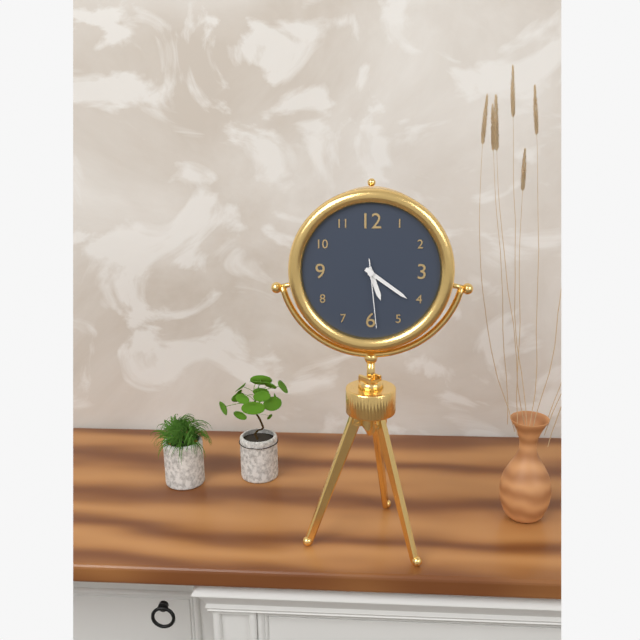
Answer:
5,21,29
